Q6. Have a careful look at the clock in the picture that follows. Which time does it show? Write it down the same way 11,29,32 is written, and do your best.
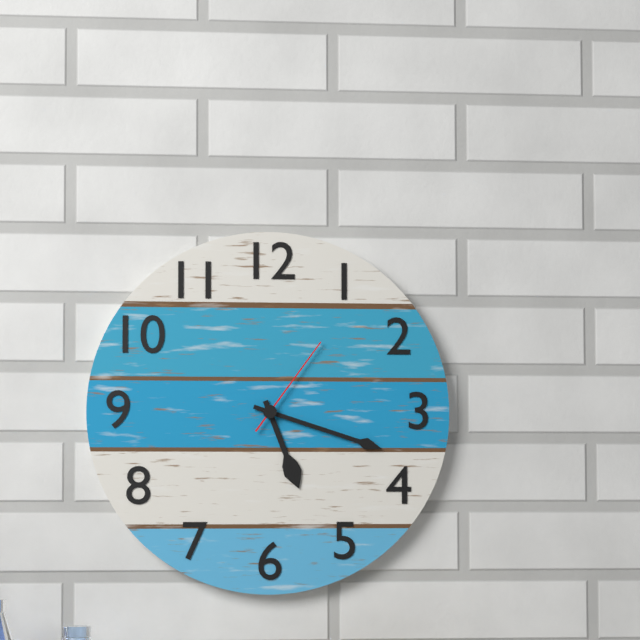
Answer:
5,18,06
